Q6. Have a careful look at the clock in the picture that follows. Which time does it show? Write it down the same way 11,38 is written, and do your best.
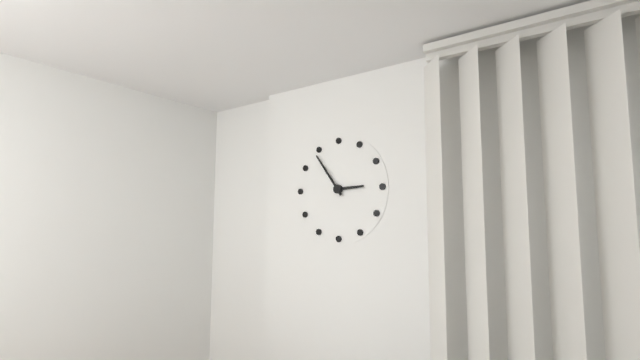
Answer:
2,54
